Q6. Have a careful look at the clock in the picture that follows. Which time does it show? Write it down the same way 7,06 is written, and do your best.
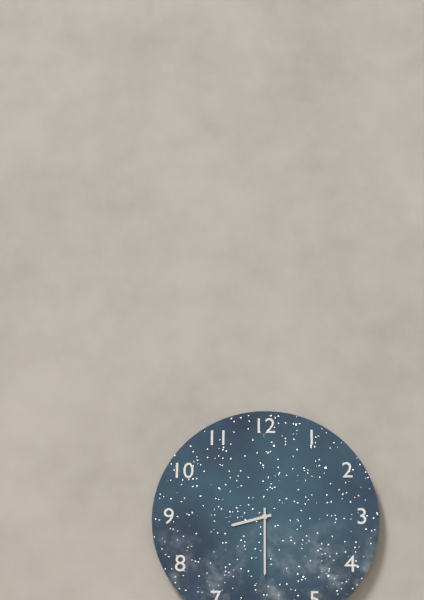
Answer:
8,30
